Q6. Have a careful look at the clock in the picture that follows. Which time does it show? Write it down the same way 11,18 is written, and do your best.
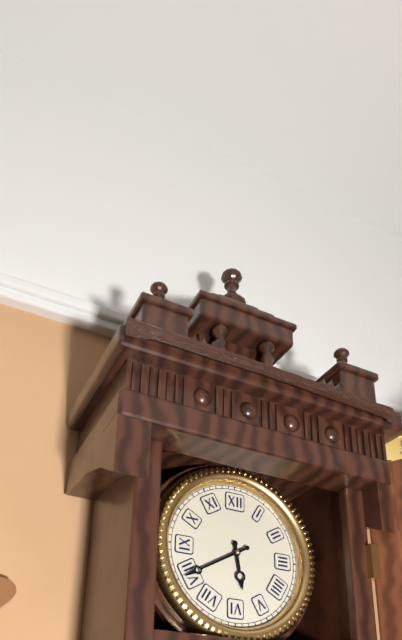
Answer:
5,40
